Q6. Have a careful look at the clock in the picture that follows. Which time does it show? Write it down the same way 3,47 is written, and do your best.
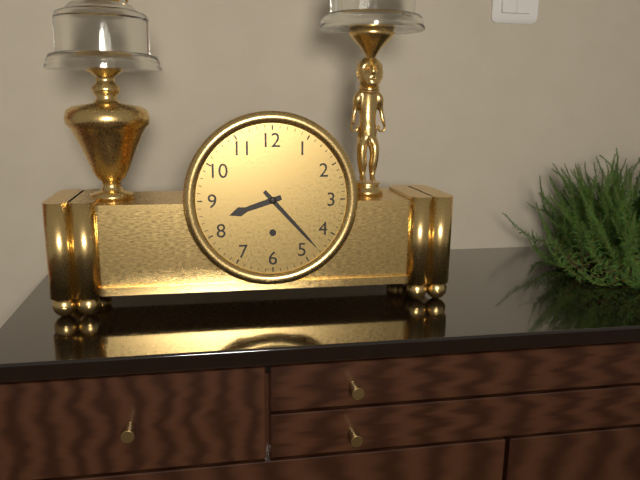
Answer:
8,23
